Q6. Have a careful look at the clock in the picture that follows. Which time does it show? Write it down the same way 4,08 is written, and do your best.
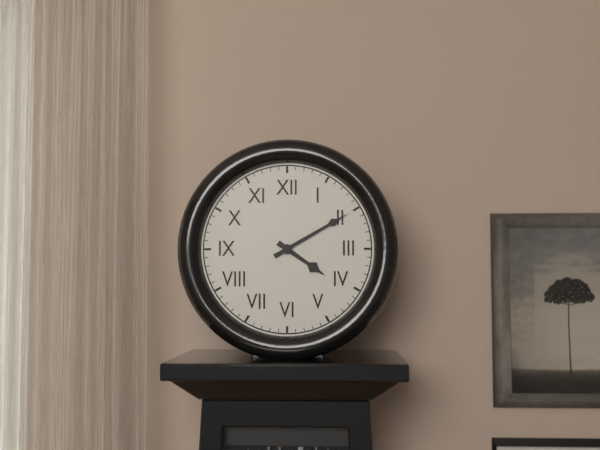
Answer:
4,10
